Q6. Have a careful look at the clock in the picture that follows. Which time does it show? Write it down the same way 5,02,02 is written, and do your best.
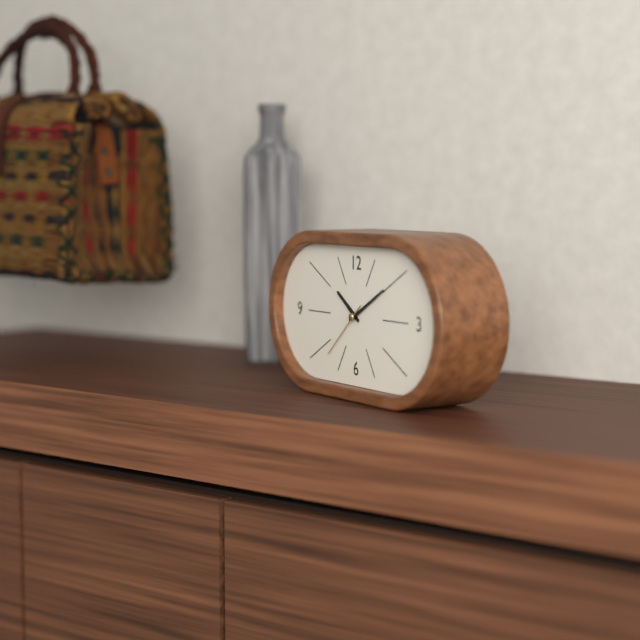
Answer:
10,10,38
